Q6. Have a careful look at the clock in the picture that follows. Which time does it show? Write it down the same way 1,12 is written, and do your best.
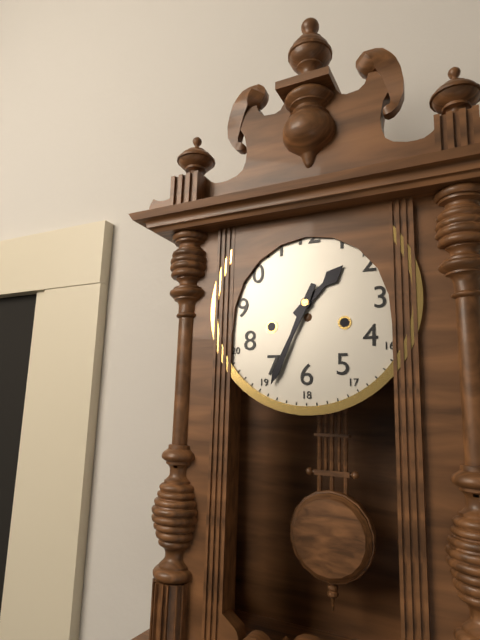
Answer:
1,34
